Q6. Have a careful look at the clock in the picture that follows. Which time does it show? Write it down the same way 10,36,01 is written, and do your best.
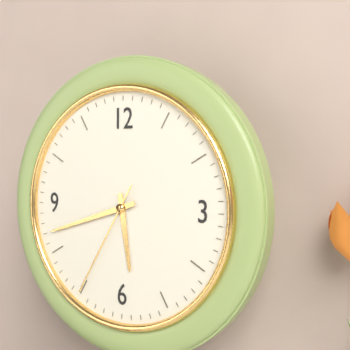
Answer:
5,42,35
